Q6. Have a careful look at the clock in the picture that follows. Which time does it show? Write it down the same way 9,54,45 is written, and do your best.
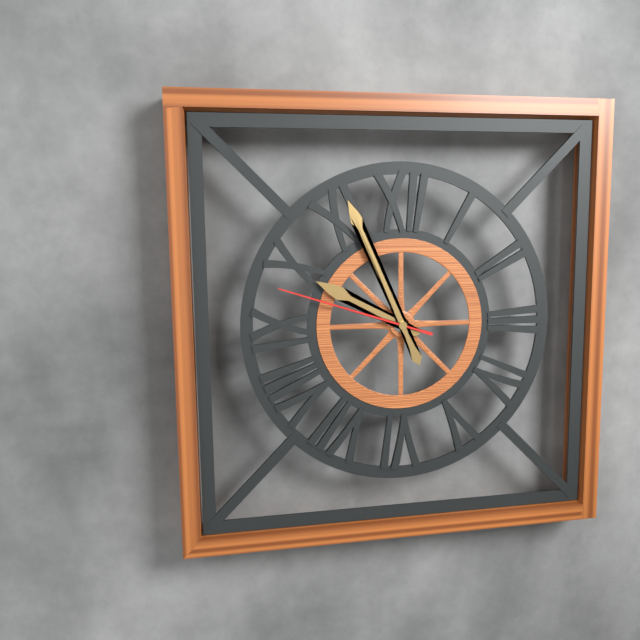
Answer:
9,56,48
